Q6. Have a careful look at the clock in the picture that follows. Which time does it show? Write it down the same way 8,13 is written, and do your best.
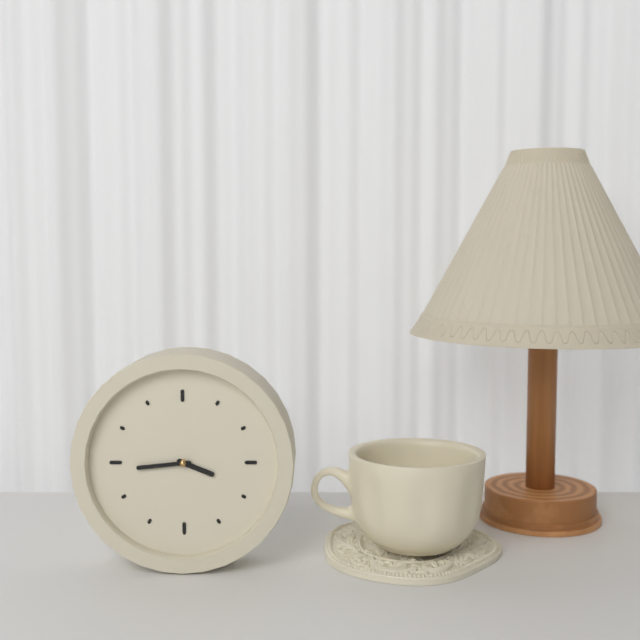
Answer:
3,44
